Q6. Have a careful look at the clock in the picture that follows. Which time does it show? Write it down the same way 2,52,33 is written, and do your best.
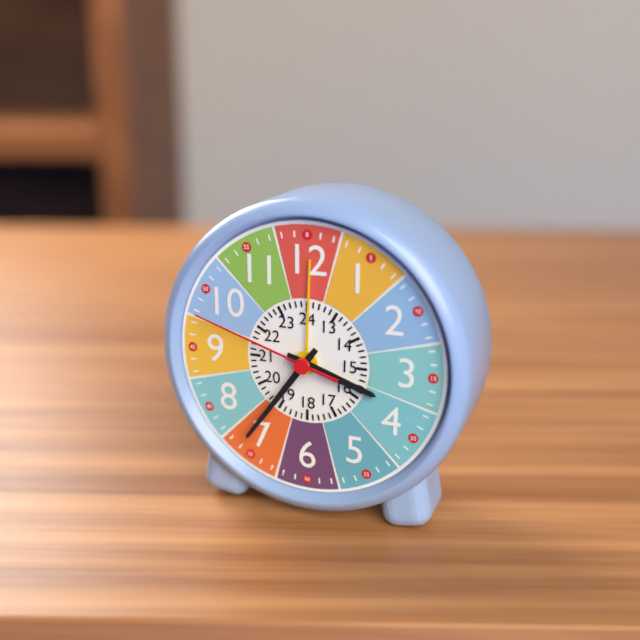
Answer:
3,36,48
